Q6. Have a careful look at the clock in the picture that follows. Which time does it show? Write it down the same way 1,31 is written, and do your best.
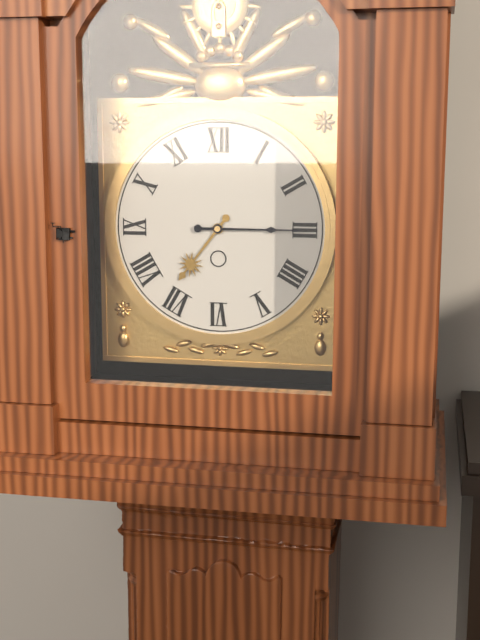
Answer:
7,15
